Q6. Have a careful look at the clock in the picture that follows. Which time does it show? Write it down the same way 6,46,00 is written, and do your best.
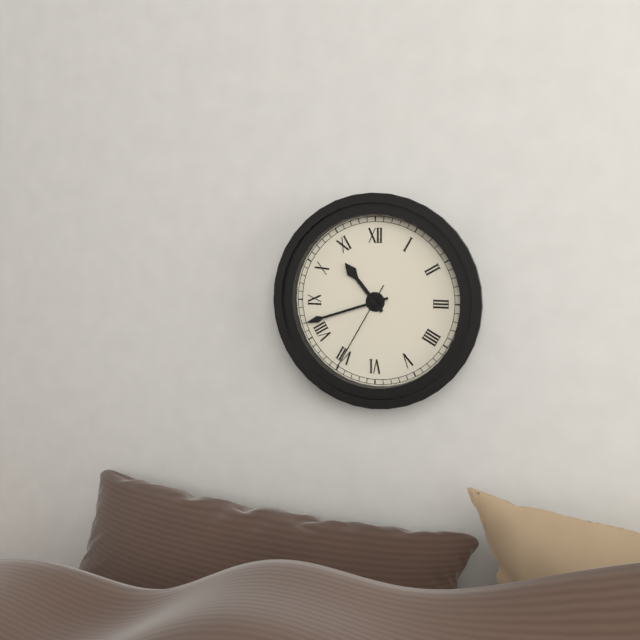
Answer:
10,42,35
